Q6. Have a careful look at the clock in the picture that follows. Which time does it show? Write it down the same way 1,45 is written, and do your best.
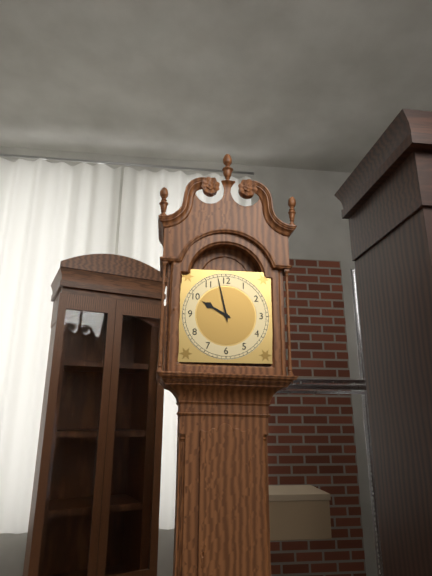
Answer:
9,58
